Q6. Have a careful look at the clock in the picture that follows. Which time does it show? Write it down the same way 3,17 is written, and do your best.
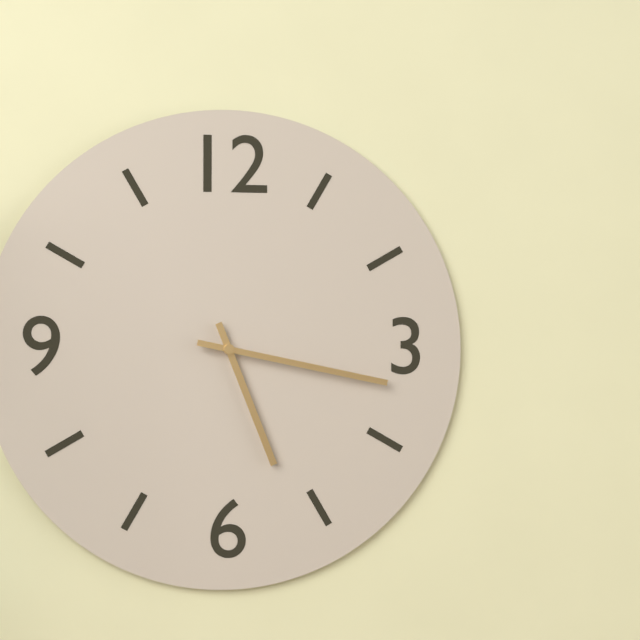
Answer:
5,17
